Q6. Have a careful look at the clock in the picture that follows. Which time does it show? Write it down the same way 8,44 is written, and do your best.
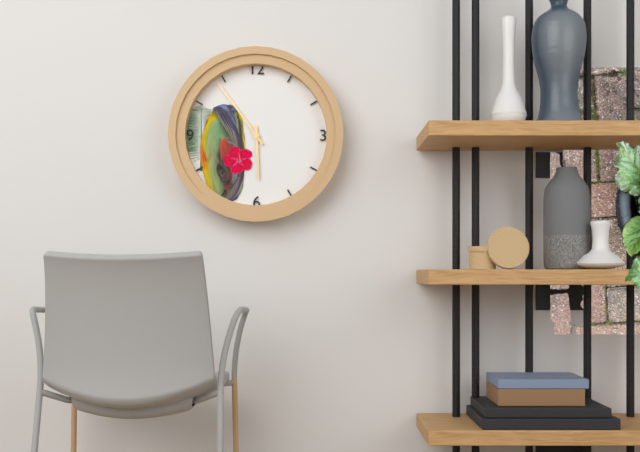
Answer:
5,54
